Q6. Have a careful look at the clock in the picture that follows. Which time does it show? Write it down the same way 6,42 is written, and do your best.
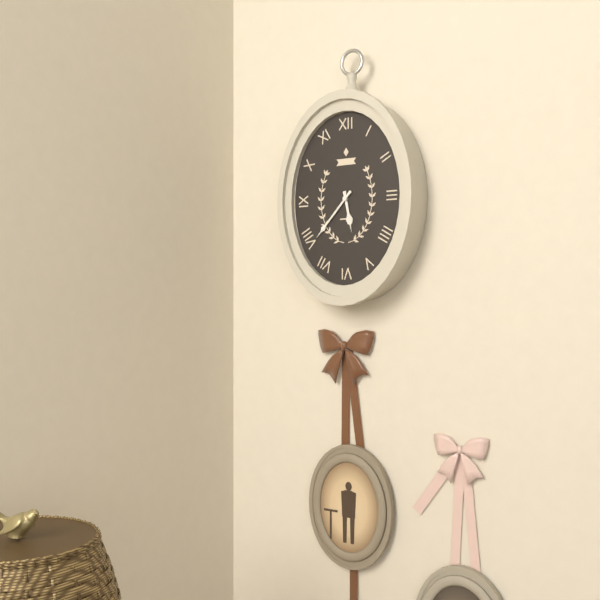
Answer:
5,37
